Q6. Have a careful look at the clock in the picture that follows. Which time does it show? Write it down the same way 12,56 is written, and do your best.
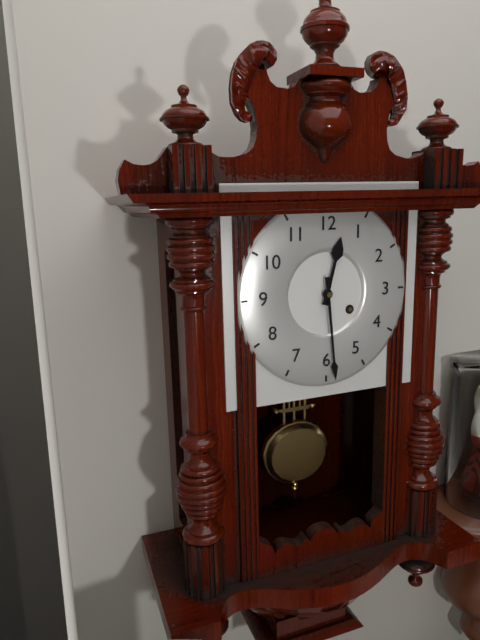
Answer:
12,29
